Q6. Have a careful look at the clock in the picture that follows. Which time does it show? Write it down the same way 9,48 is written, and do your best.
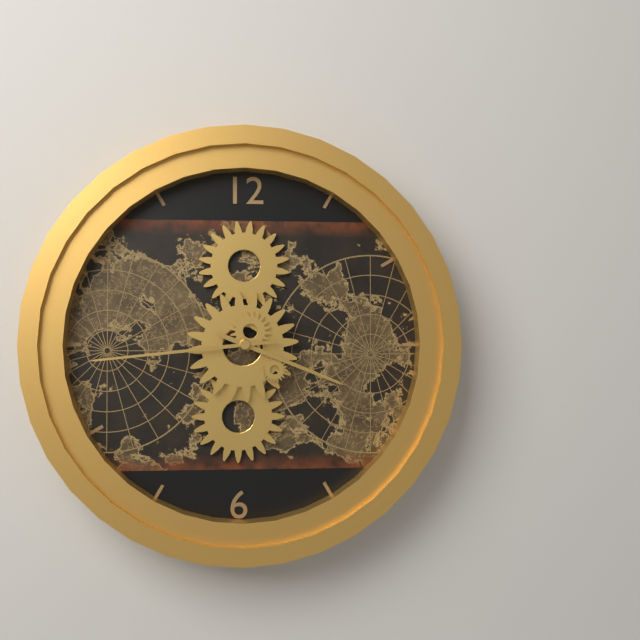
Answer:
3,44
